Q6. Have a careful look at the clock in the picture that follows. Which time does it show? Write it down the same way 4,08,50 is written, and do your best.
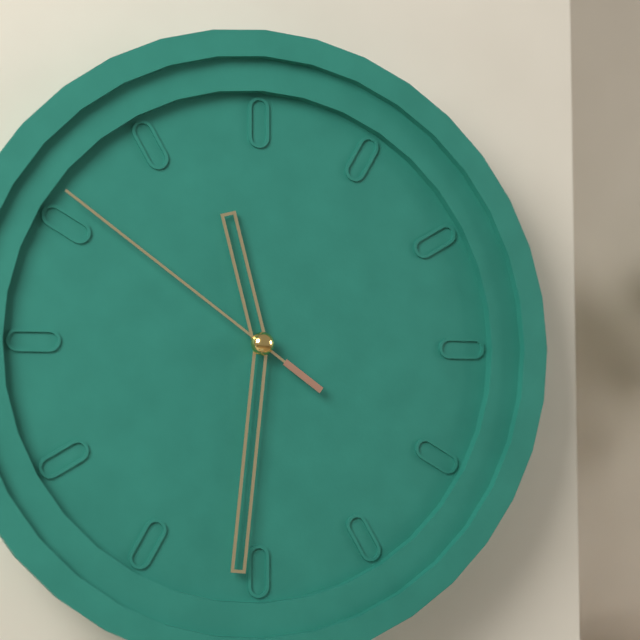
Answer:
11,31,51
